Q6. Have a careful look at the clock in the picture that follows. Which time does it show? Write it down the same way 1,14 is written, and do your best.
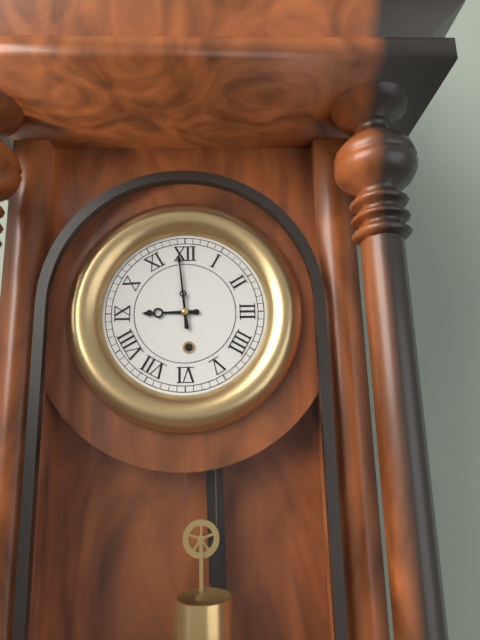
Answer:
8,59
